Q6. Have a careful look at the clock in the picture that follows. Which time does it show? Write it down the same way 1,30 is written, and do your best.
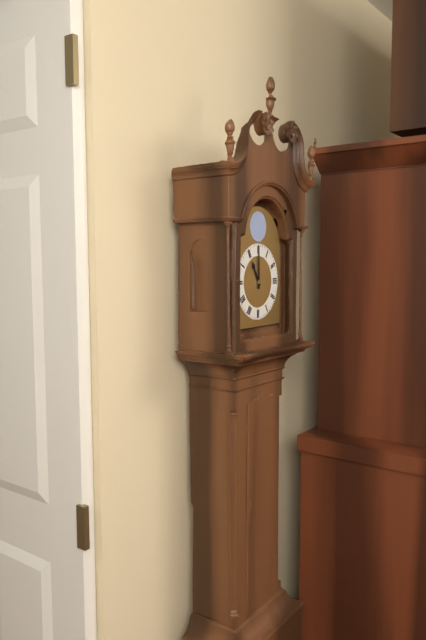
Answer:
11,00
